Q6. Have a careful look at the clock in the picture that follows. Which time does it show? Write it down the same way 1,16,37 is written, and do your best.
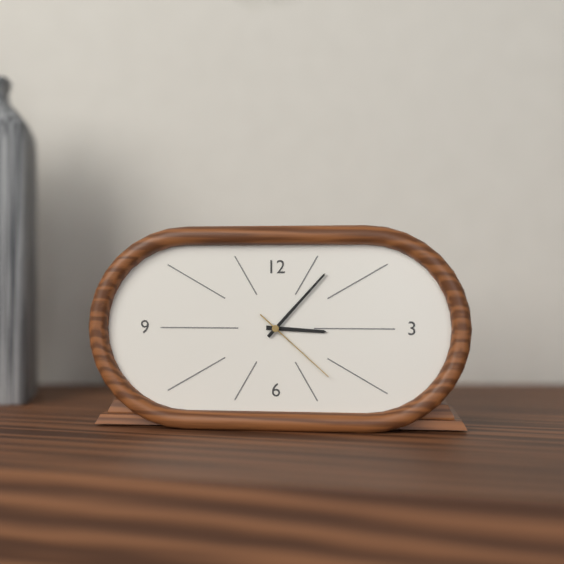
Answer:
3,07,22
